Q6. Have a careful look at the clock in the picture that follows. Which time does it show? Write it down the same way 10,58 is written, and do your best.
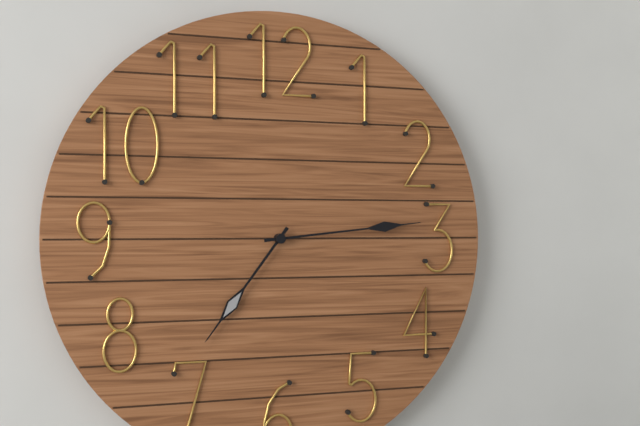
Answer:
7,14
